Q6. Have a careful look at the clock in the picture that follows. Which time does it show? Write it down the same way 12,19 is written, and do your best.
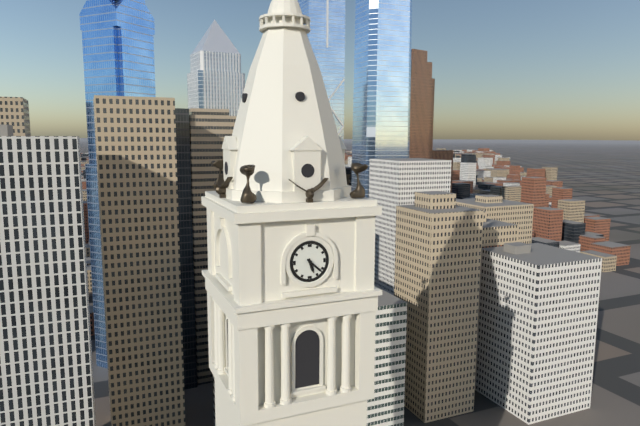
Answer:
5,22
